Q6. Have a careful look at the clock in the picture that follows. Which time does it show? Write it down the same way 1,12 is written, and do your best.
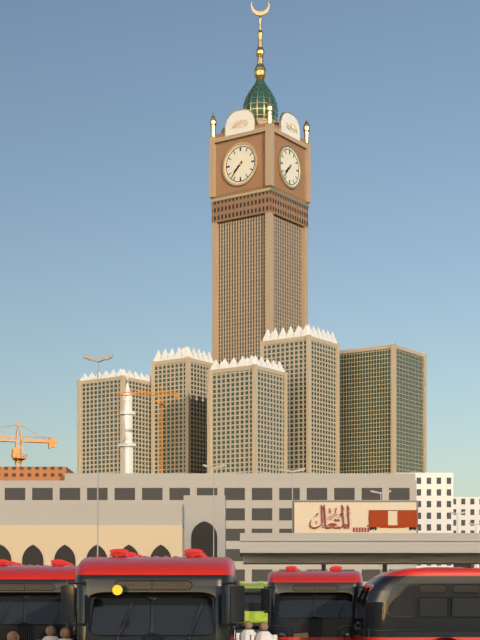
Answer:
7,37
